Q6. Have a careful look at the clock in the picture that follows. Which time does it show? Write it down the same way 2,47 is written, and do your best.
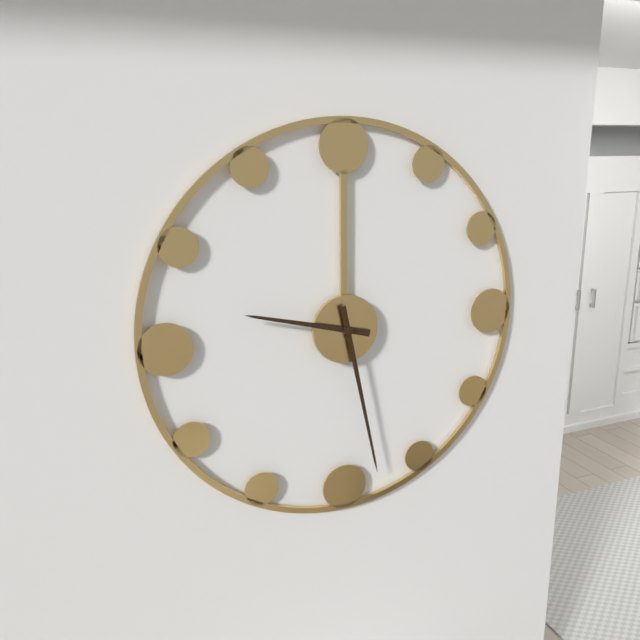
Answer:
9,28
